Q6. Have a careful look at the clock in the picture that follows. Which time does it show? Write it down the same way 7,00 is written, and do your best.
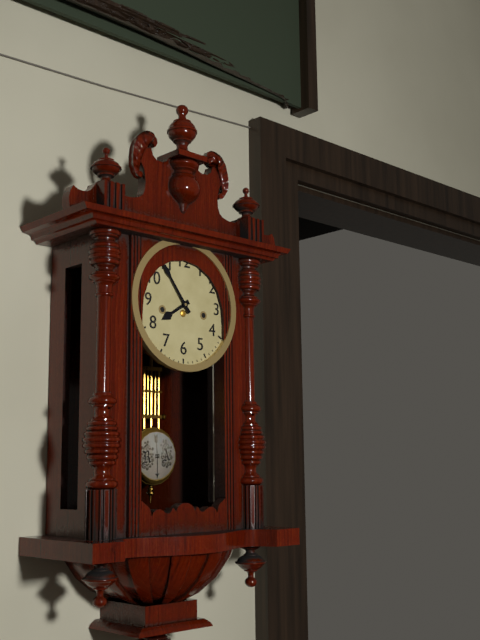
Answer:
7,54
